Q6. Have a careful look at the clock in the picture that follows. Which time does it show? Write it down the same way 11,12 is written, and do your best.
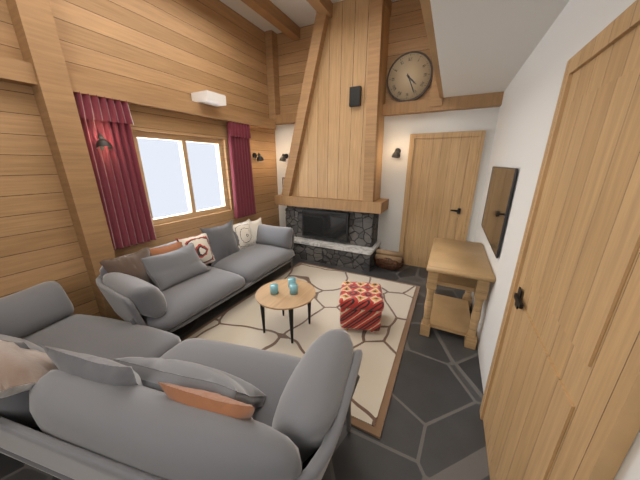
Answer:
4,26
